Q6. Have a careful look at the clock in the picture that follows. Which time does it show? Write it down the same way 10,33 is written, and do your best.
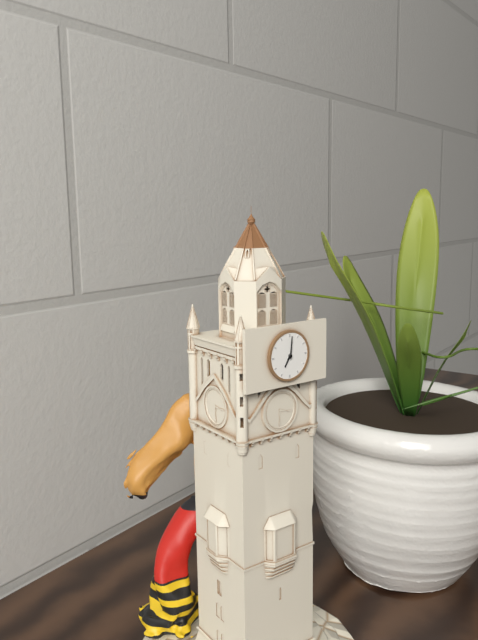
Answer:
7,01
